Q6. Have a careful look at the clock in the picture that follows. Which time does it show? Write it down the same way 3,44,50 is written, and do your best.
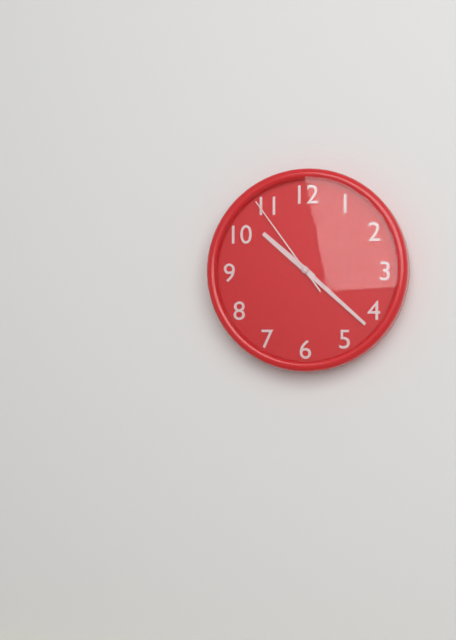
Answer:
10,22,54
